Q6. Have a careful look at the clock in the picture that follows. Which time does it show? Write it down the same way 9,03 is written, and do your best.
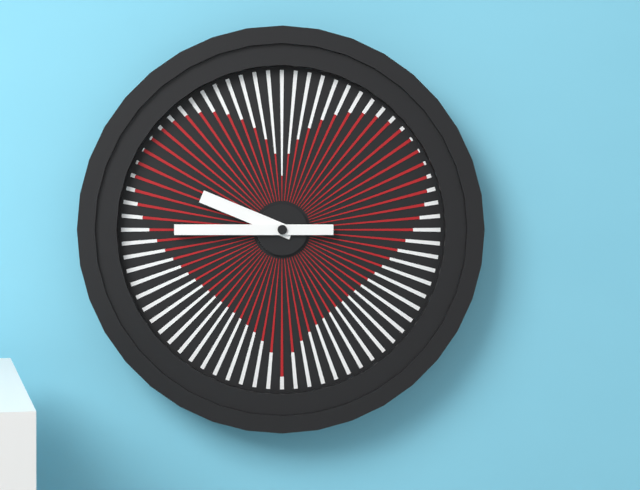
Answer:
9,45
